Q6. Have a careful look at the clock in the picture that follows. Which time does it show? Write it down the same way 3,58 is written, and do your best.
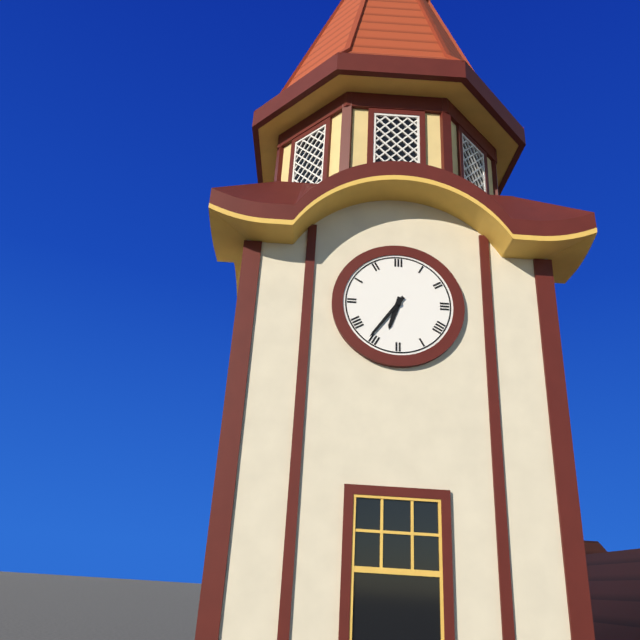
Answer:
6,36
